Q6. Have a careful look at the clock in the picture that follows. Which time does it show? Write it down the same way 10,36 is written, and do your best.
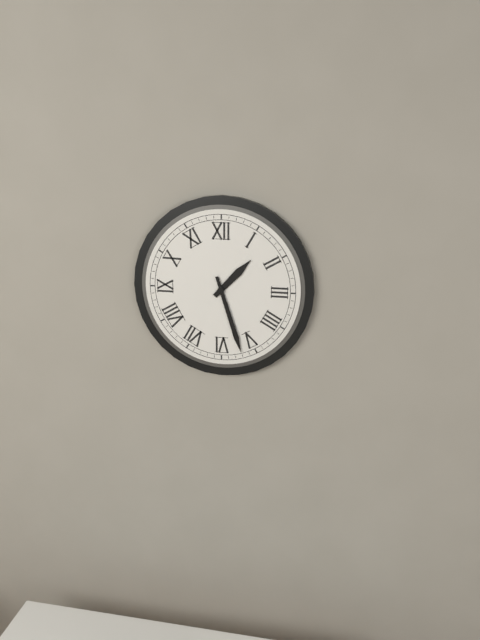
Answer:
1,27
